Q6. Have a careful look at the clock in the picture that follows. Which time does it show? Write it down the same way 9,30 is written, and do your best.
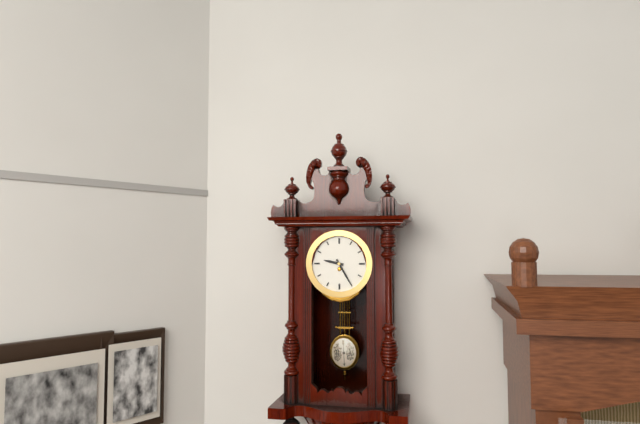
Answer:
9,25
